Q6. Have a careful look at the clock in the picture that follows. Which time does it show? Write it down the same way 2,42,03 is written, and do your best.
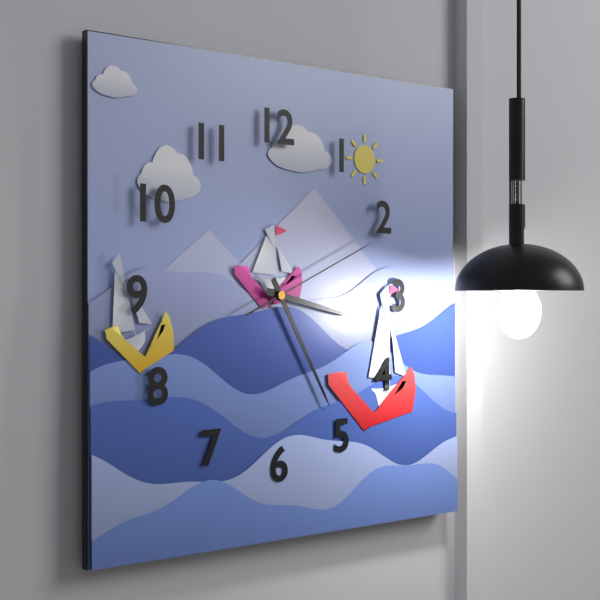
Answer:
3,25,11
